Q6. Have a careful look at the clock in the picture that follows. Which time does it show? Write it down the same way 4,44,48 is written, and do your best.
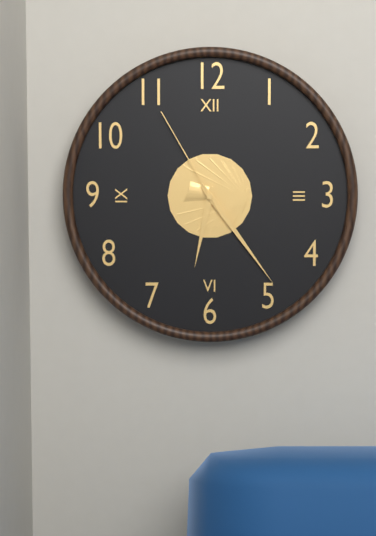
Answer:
6,24,55
